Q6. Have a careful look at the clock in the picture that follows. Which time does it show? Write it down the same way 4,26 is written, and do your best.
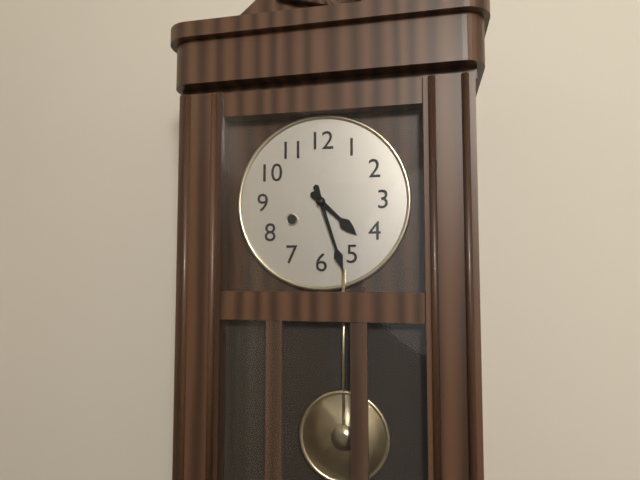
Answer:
4,27
